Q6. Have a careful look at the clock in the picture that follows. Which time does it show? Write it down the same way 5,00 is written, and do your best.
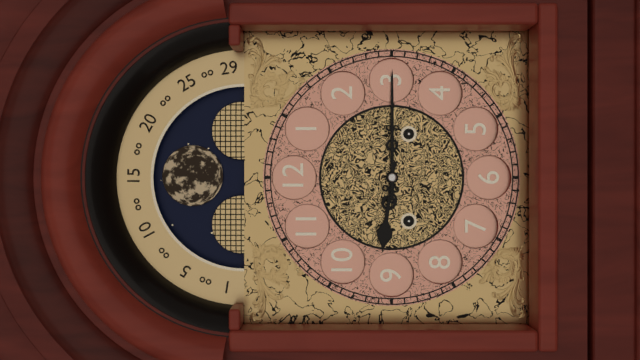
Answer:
9,15
